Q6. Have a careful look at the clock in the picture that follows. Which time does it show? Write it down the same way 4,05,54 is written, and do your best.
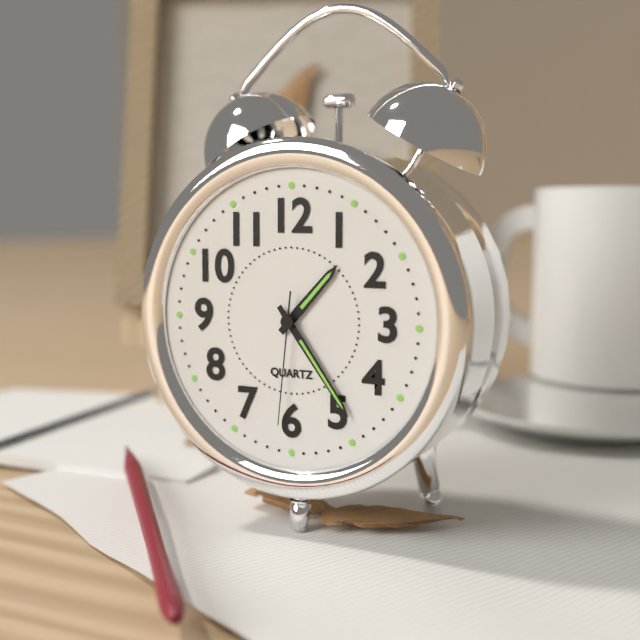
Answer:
1,24,31
